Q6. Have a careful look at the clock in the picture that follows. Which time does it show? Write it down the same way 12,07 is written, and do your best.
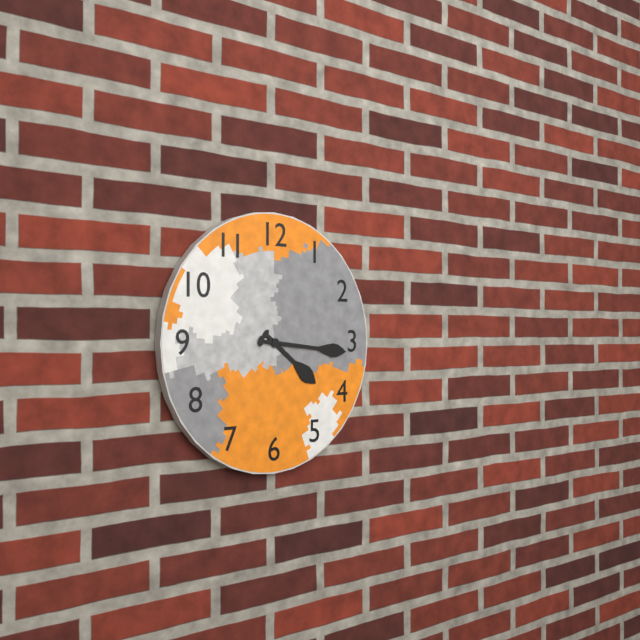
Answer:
4,16
